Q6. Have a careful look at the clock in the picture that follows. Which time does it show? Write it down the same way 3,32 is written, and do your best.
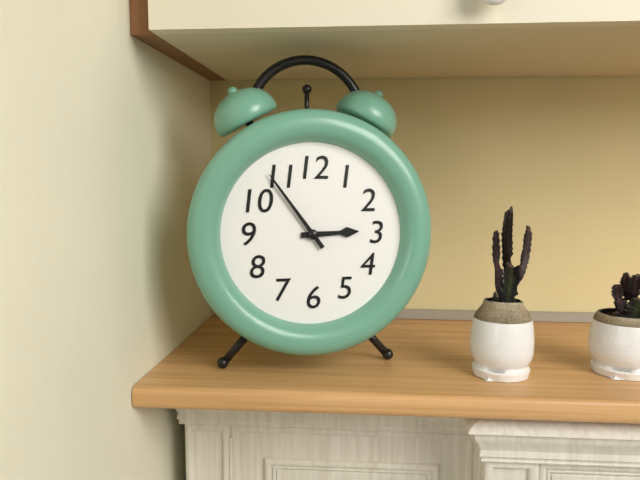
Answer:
2,54
